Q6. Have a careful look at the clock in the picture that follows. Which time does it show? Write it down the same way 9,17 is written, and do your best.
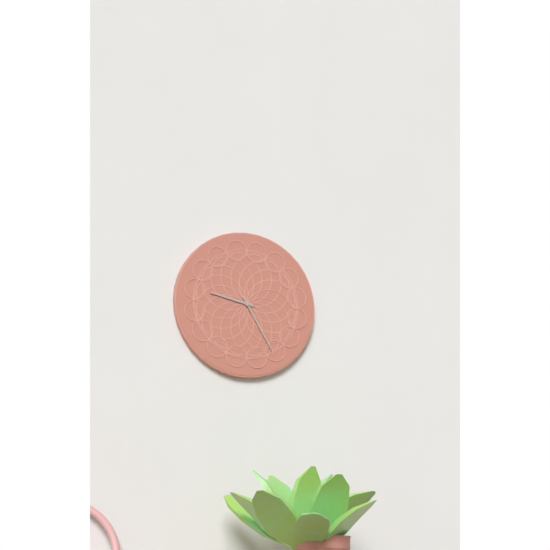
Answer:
9,25
